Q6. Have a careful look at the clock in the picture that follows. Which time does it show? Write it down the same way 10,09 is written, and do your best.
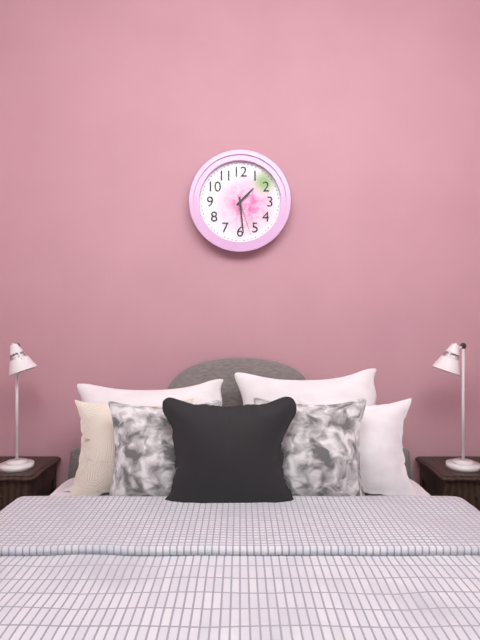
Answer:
1,29
